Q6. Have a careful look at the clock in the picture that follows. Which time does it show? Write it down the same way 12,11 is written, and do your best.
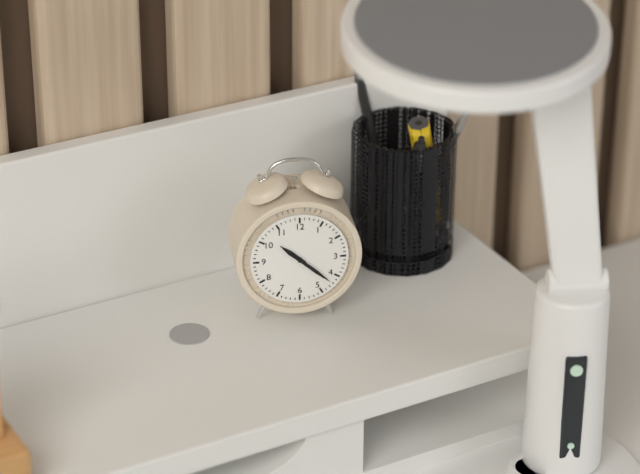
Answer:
10,22
